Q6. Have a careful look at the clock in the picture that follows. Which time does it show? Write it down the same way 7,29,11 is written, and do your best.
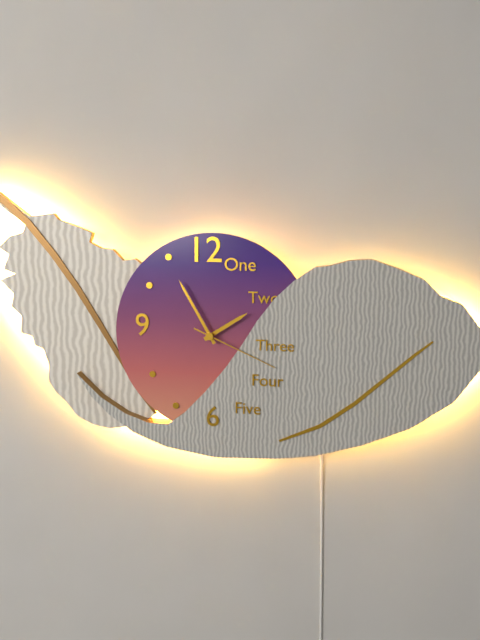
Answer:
1,55,19
